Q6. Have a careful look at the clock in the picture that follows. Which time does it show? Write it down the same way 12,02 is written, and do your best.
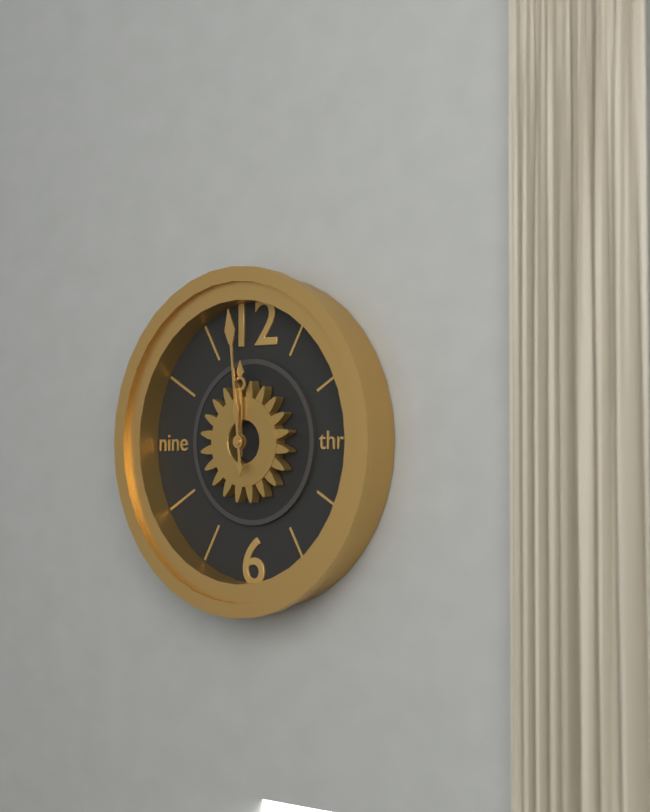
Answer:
11,59
